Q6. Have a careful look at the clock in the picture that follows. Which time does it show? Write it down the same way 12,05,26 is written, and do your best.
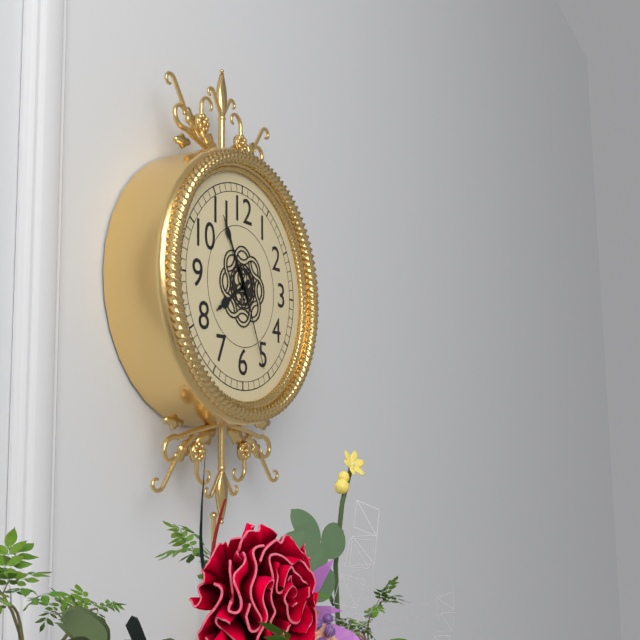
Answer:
7,55,26
